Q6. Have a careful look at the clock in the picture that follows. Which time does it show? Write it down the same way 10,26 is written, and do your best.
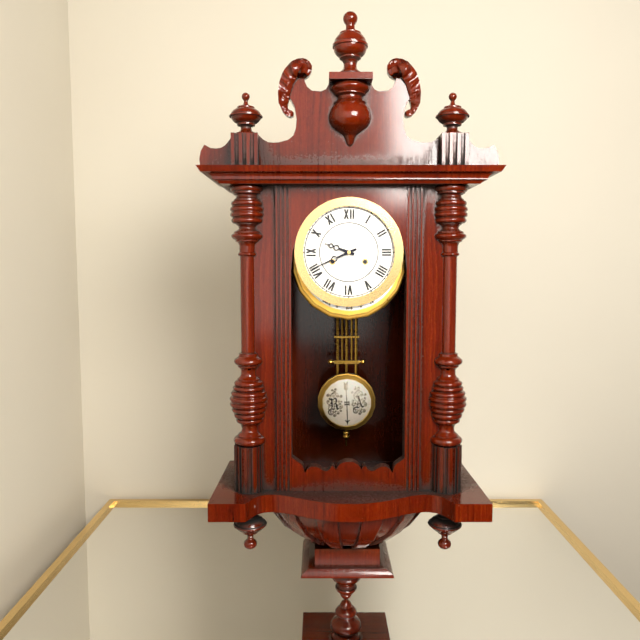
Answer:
9,41
